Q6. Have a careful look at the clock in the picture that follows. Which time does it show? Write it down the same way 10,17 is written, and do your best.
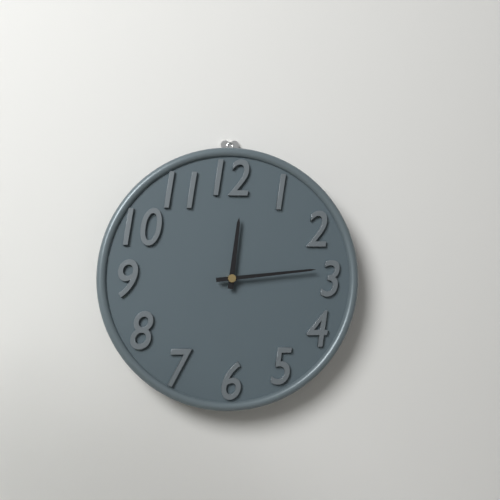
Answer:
12,14
